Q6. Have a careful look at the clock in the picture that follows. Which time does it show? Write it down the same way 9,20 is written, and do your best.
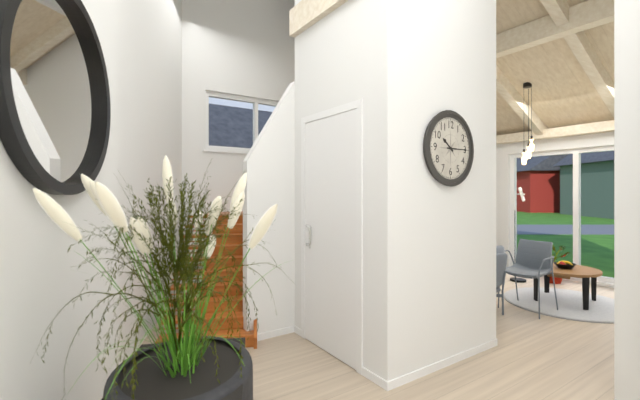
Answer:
10,15
